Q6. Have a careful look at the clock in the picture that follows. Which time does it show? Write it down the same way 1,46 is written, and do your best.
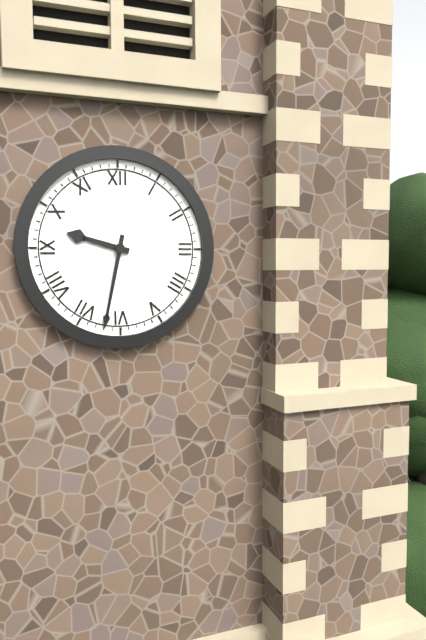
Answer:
9,32
